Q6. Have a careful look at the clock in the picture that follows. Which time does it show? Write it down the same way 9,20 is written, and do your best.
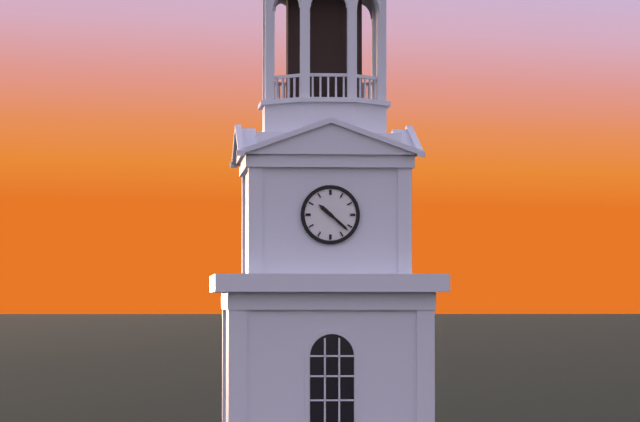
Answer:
10,22
